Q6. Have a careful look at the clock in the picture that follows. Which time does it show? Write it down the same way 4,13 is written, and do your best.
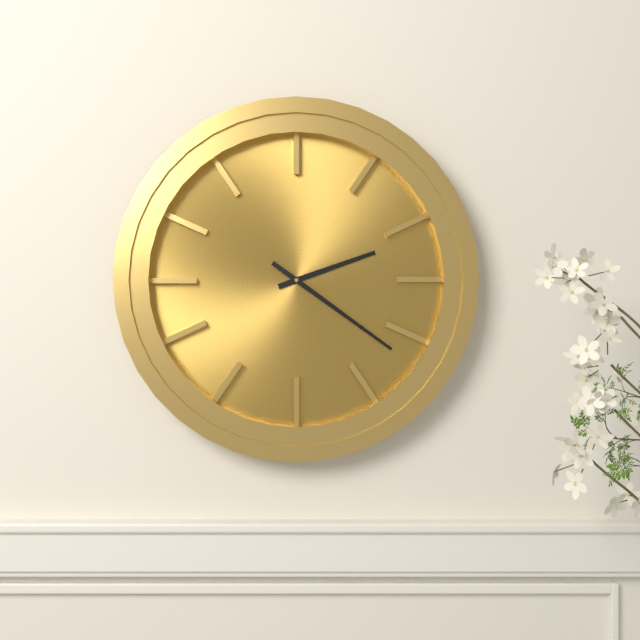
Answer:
2,21
